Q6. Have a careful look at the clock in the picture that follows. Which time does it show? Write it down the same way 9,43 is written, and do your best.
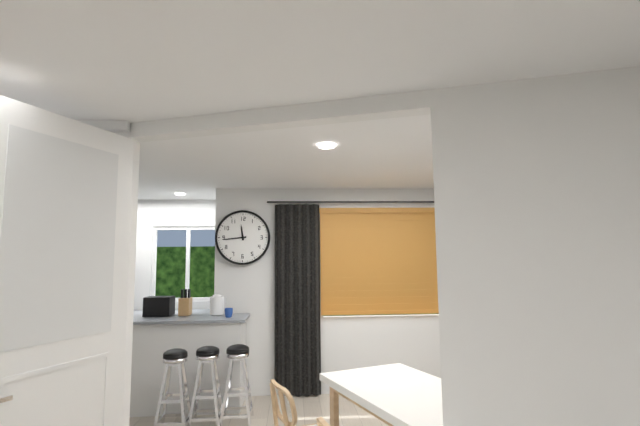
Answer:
11,44
